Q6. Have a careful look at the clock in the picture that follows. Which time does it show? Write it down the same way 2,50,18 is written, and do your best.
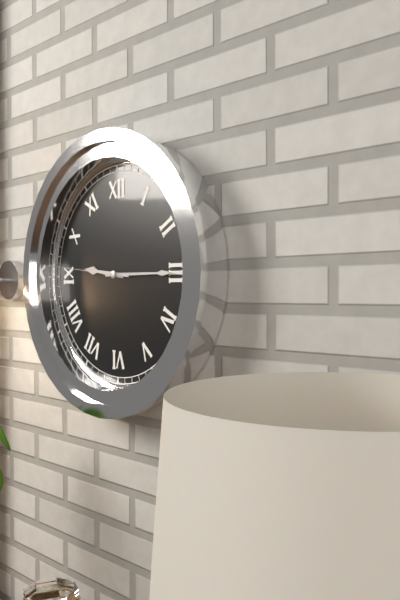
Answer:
9,15,46
